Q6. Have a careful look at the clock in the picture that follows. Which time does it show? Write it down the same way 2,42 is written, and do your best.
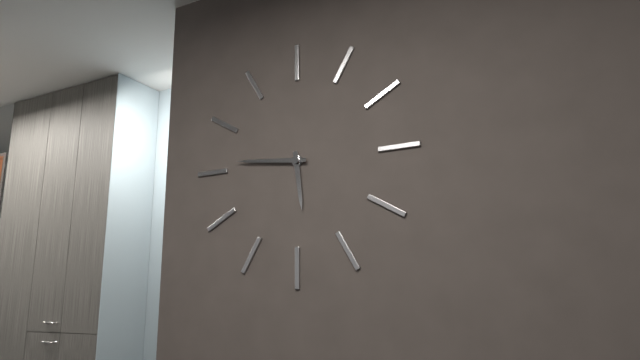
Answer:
5,46
